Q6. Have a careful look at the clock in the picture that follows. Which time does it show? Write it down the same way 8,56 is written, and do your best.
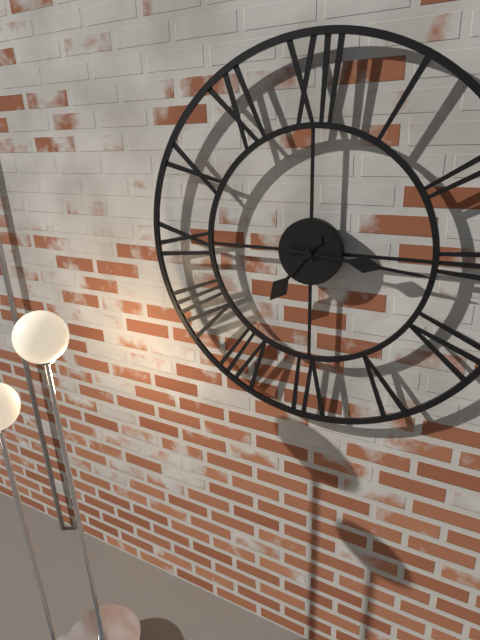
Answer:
7,16
